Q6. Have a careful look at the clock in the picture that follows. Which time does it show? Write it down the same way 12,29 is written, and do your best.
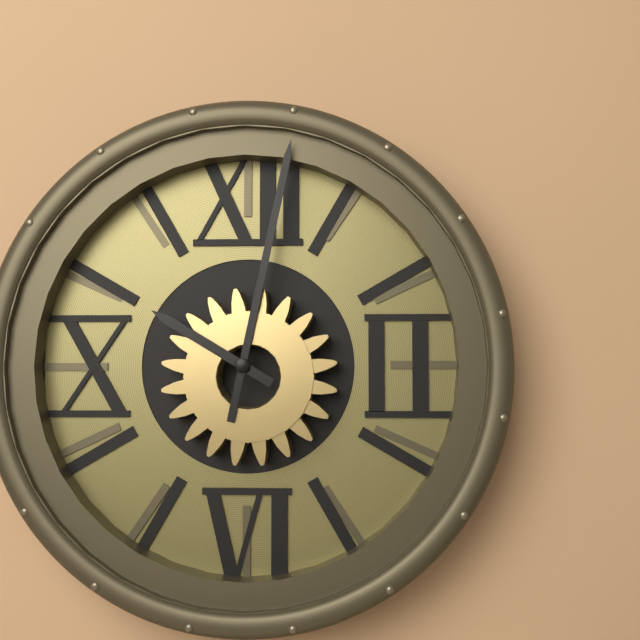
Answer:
10,02
